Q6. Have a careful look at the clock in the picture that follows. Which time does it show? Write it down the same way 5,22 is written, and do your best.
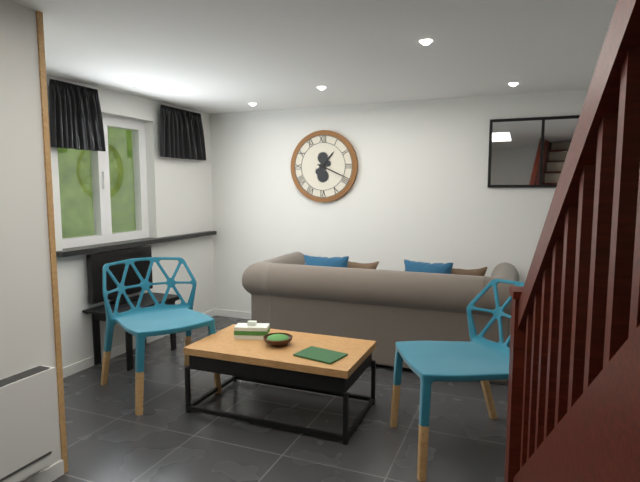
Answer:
1,19
